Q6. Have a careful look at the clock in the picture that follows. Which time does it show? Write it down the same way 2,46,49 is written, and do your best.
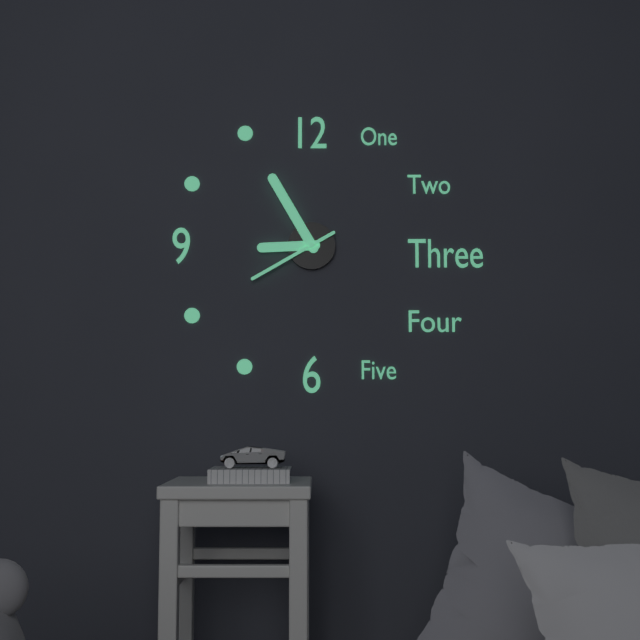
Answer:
8,55,40
